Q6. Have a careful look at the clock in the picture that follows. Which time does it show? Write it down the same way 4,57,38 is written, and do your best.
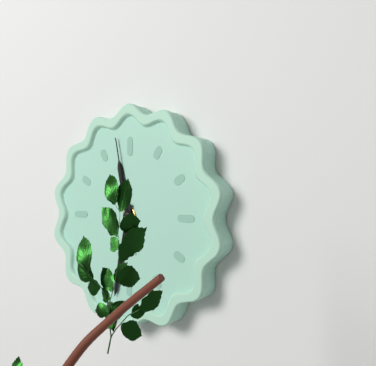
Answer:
11,32,58
